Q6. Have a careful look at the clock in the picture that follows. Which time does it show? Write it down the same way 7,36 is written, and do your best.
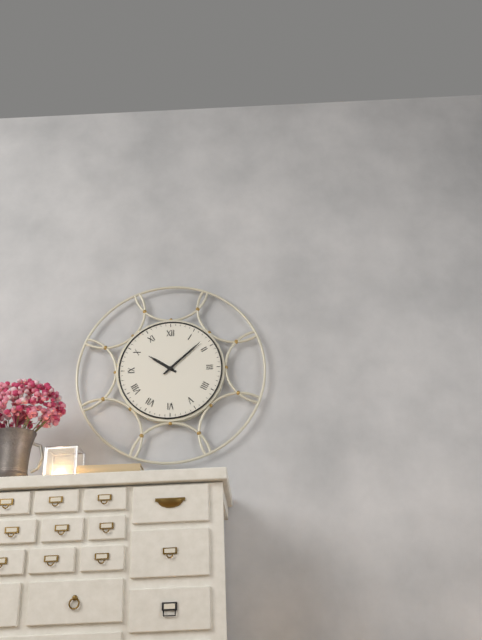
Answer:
10,08
